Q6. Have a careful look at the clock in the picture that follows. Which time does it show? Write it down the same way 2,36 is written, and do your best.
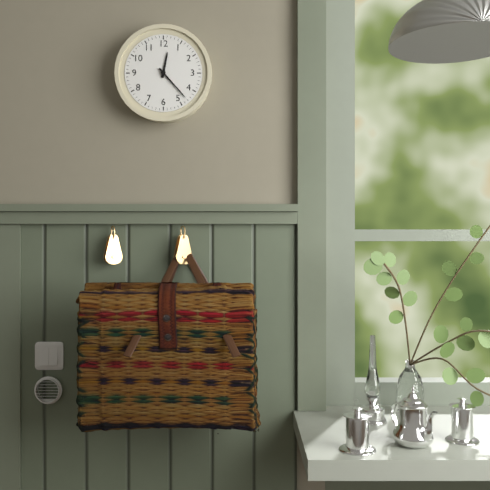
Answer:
12,23
